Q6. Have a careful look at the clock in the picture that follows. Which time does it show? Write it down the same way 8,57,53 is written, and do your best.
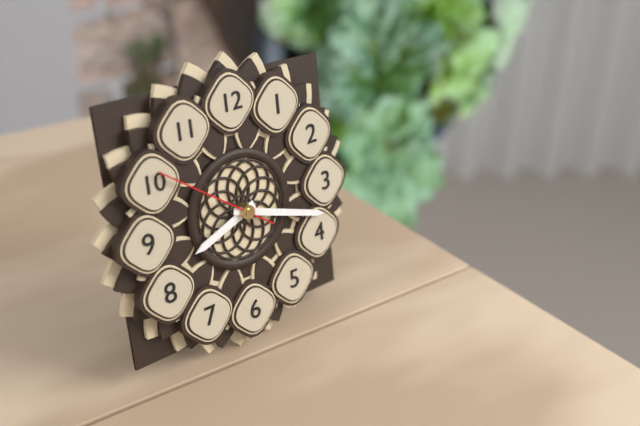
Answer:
8,18,51
